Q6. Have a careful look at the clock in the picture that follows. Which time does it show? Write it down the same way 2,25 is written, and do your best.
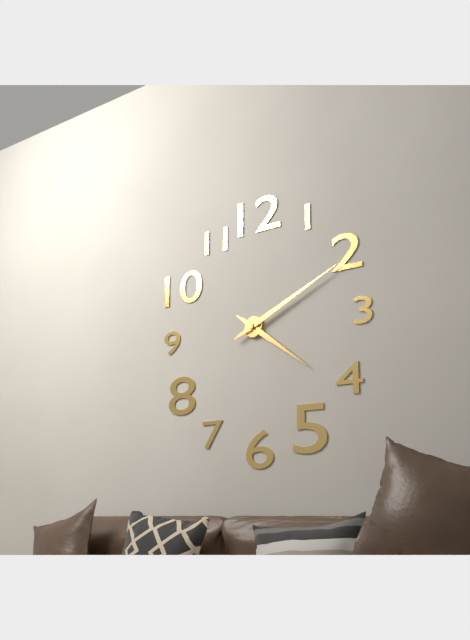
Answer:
4,11
